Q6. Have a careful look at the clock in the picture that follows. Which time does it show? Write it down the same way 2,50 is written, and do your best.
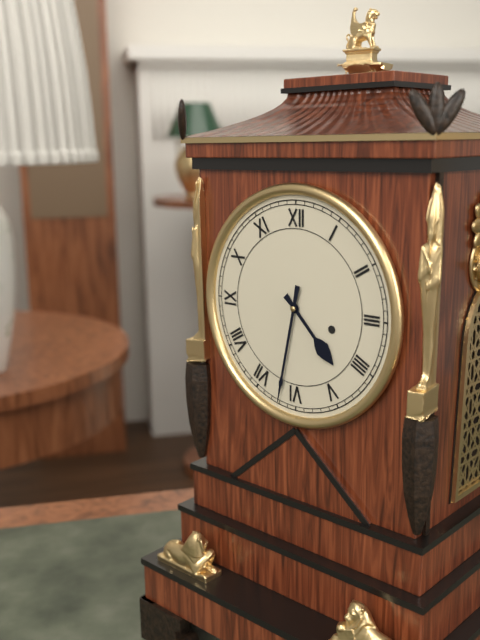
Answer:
4,32
